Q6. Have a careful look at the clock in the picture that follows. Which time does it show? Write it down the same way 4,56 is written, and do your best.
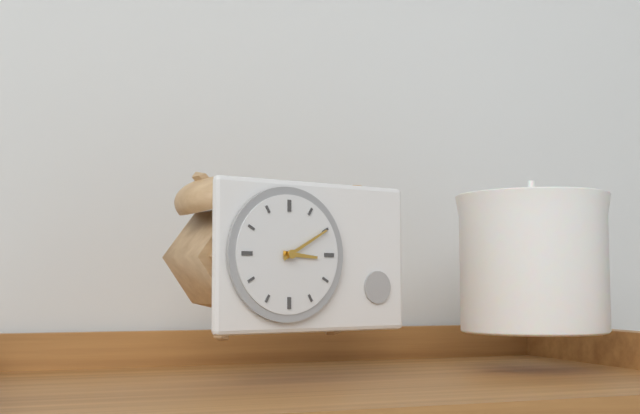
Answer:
3,10
